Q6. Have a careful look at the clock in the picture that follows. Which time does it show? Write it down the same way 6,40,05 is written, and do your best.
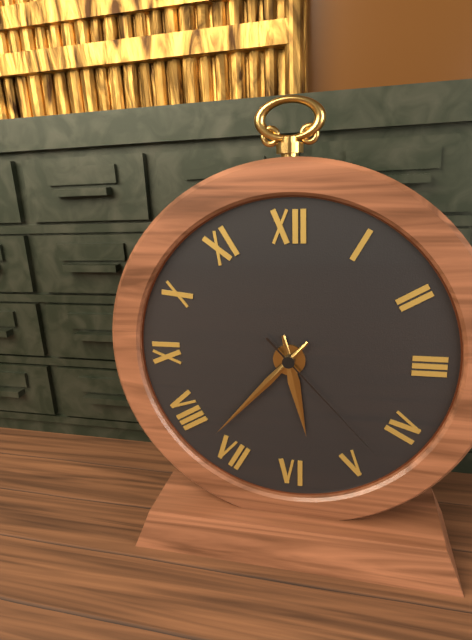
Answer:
5,37,23
